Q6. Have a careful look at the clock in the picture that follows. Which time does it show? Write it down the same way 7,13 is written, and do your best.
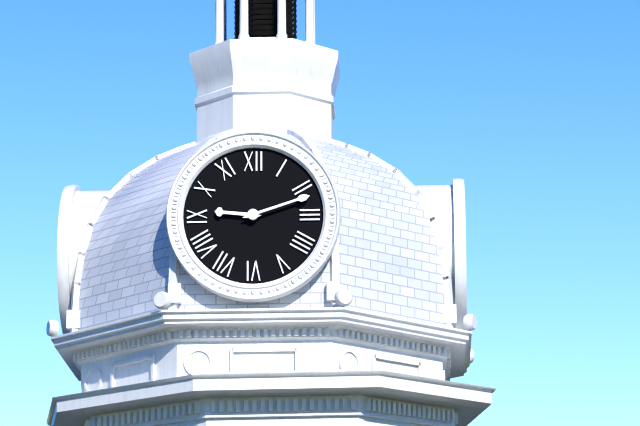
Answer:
9,12
